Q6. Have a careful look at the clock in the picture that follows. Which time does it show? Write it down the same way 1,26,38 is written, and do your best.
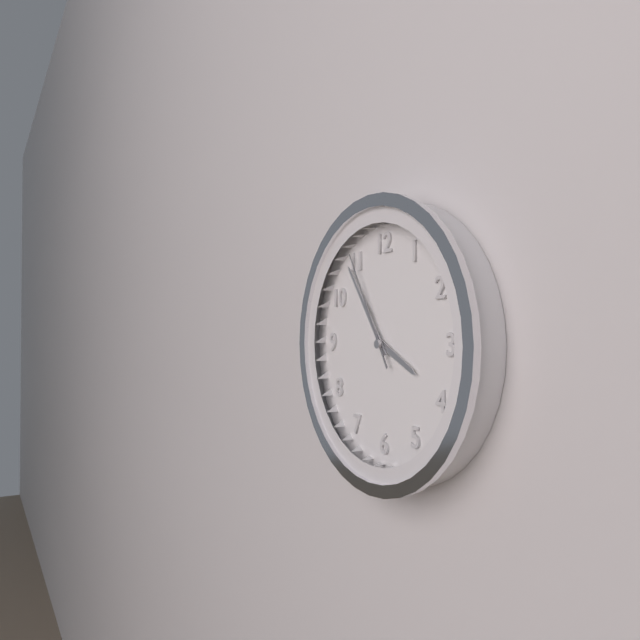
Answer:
3,54,55
